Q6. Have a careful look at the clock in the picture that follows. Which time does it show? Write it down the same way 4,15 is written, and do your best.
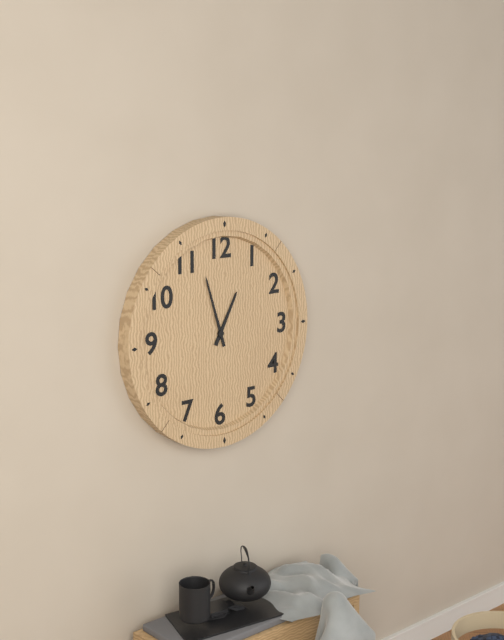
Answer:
12,57
